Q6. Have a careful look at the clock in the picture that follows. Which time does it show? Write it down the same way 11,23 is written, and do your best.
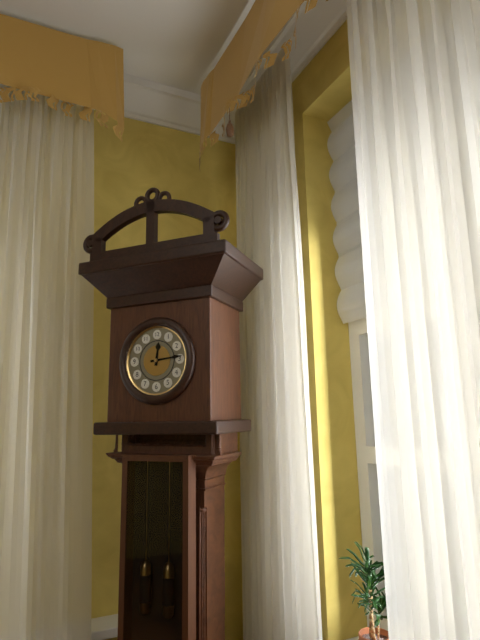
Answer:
12,14
